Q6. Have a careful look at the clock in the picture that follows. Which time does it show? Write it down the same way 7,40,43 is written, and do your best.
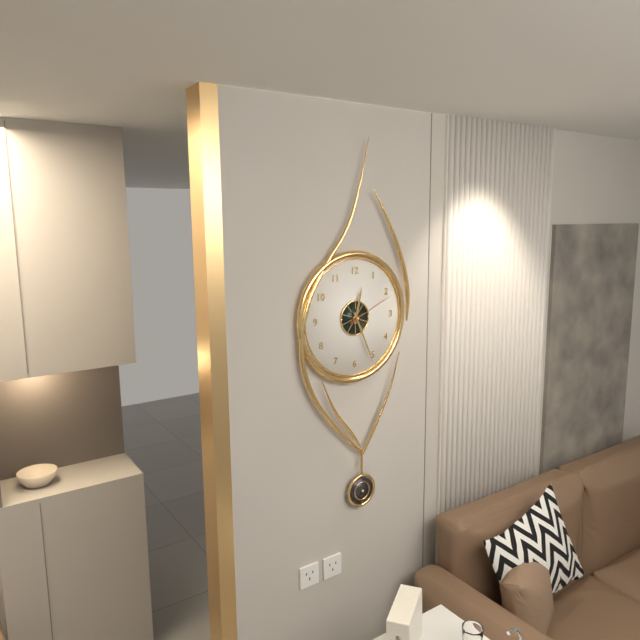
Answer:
12,26,11
